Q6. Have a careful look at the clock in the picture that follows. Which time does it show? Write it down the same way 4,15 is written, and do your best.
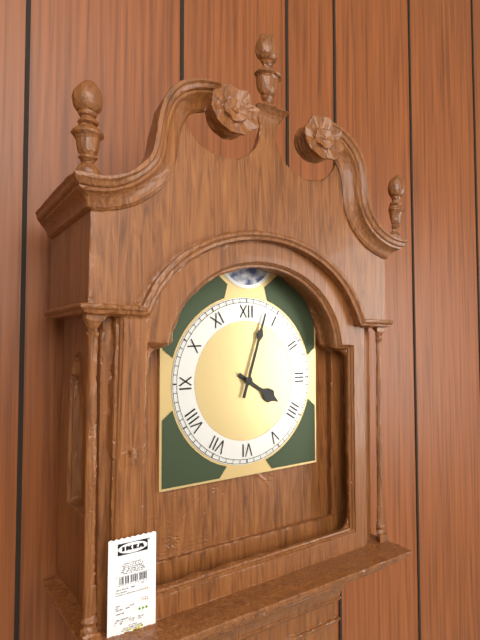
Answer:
4,03
